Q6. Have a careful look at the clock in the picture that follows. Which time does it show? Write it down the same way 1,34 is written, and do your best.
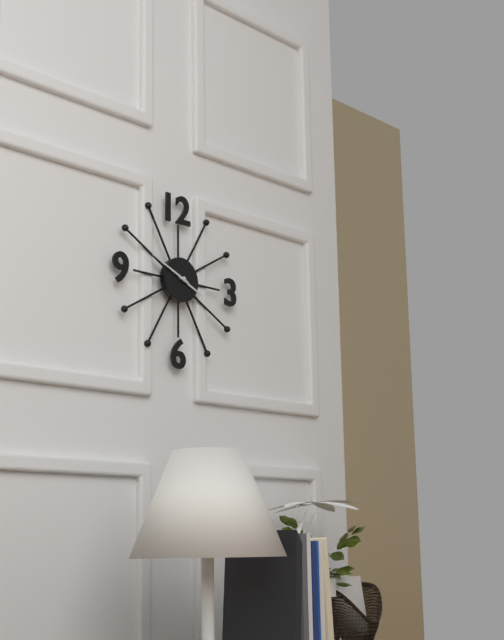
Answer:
3,49
